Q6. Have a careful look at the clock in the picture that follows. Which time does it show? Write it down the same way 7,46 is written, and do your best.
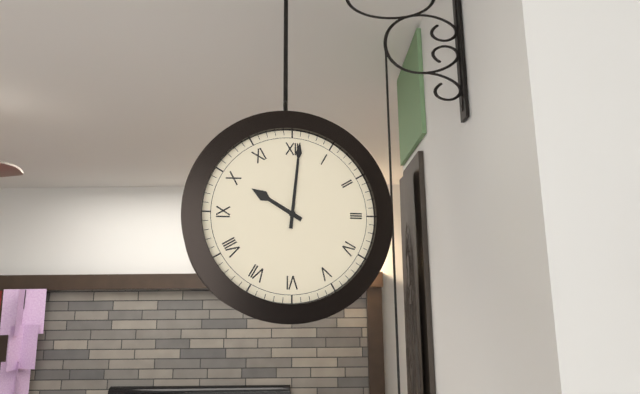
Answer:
10,01
